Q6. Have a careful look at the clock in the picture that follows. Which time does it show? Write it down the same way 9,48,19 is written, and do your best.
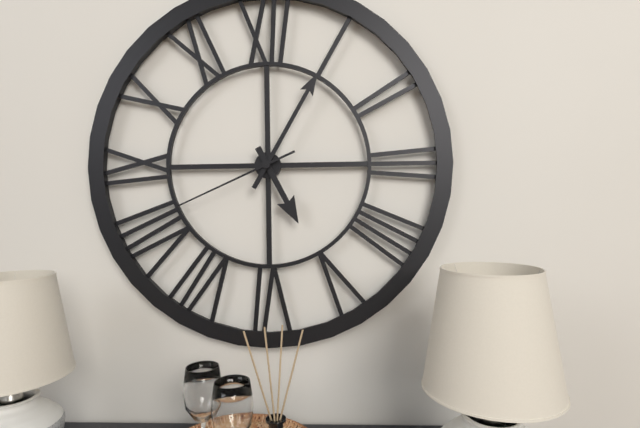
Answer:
5,05,41
